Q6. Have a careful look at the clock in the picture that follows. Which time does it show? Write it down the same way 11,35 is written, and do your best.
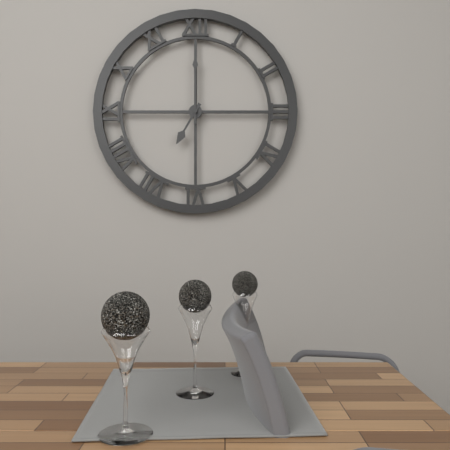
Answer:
7,00
